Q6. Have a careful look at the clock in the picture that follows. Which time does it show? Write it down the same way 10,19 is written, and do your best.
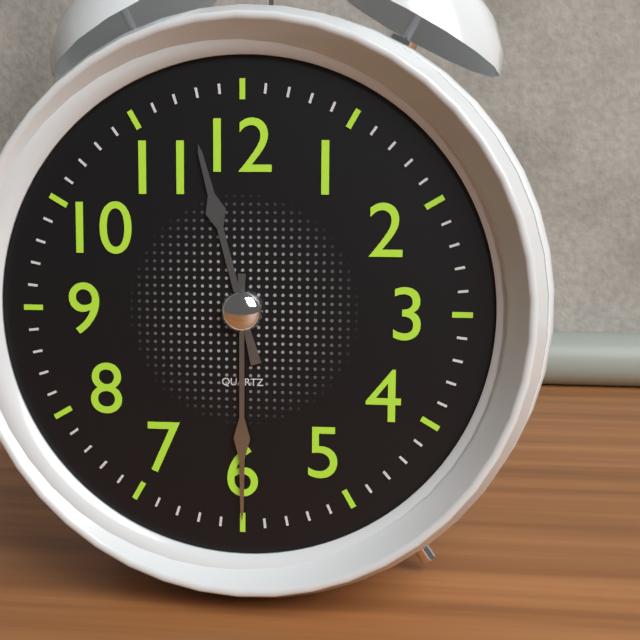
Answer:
11,30
